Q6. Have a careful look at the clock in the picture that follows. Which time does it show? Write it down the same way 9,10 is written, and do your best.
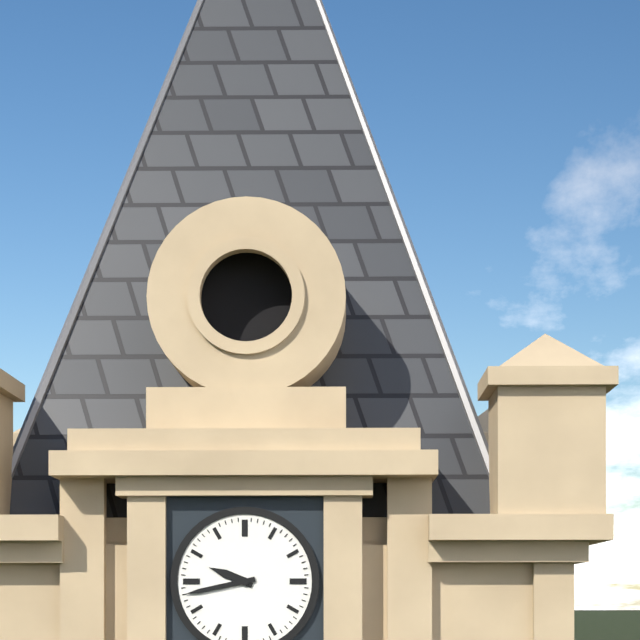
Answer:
9,43
